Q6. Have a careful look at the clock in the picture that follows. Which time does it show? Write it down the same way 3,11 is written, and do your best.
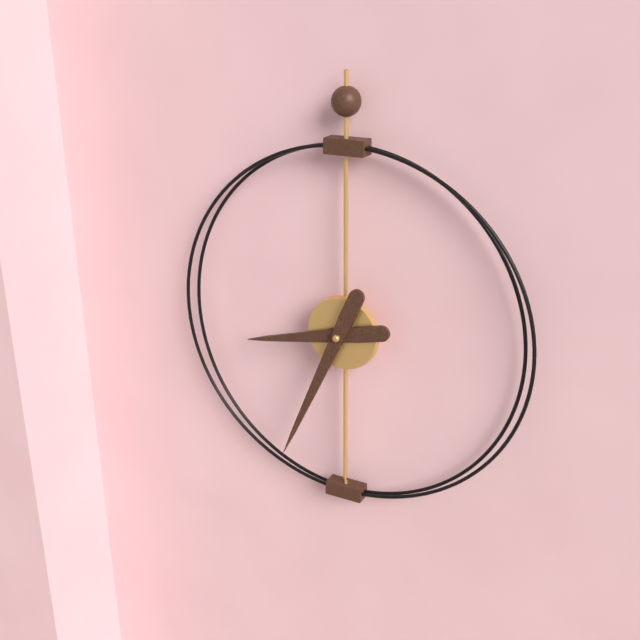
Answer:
8,34
